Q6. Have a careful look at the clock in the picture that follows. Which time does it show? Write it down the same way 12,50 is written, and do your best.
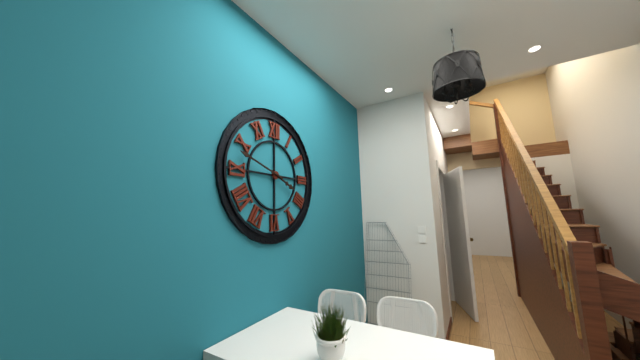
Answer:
3,48
